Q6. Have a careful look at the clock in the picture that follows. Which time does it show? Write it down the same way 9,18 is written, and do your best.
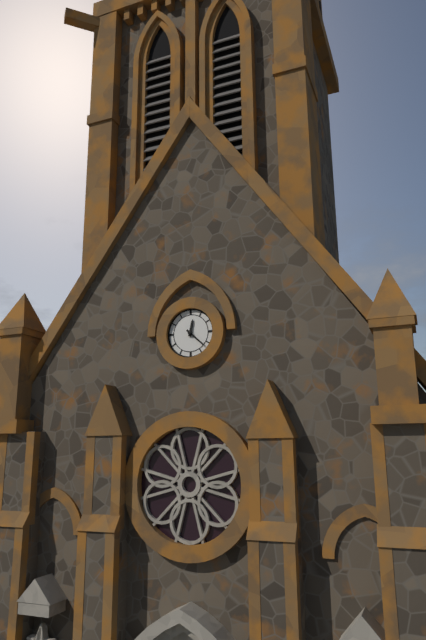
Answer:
12,22
